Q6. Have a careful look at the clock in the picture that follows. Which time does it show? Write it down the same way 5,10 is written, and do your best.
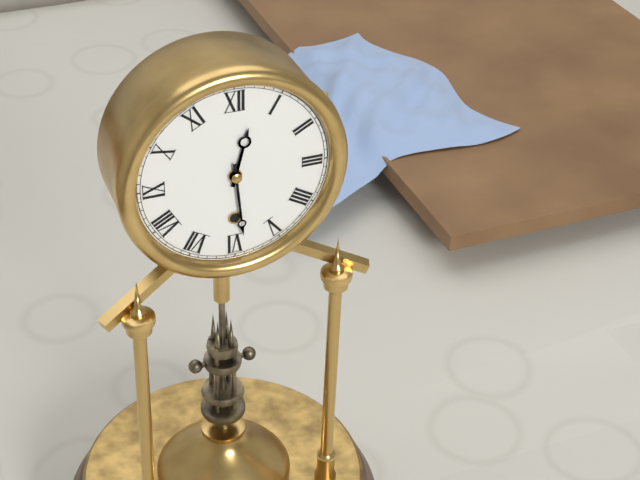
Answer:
12,29
